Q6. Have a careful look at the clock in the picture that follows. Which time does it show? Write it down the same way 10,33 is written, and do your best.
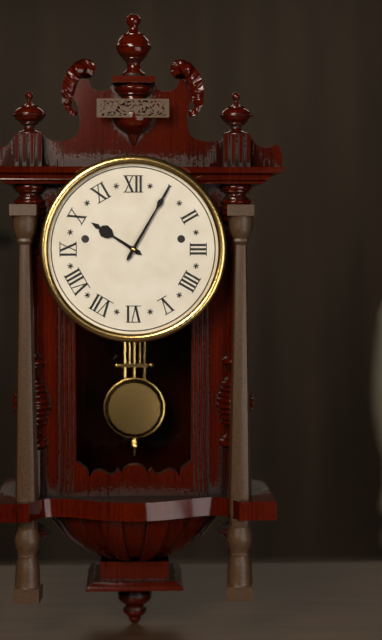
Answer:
10,05
